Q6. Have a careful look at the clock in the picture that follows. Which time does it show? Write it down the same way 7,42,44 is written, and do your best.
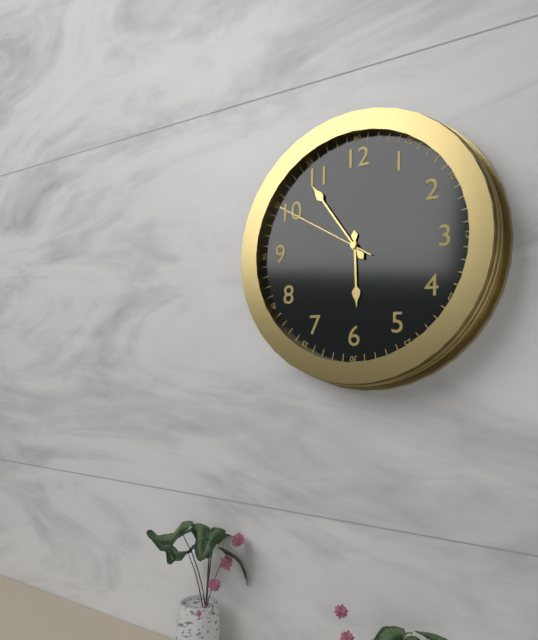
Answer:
5,54,50
